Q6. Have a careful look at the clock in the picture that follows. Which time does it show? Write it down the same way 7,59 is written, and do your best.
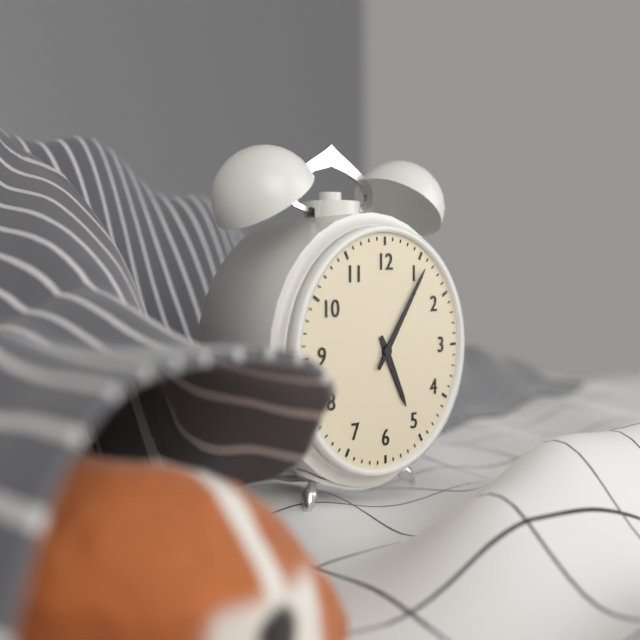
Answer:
5,06
